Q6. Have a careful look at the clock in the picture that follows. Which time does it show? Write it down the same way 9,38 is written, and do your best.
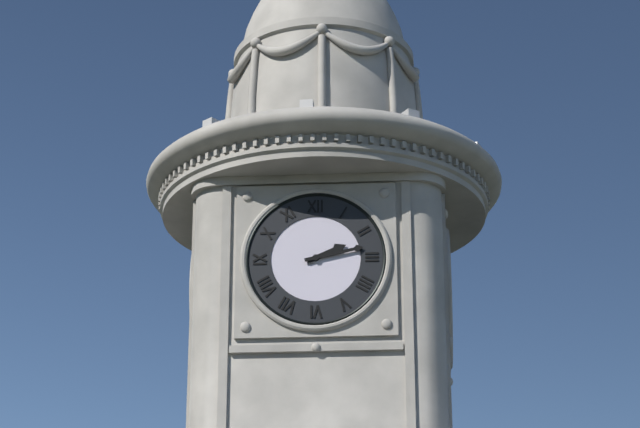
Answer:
2,13
